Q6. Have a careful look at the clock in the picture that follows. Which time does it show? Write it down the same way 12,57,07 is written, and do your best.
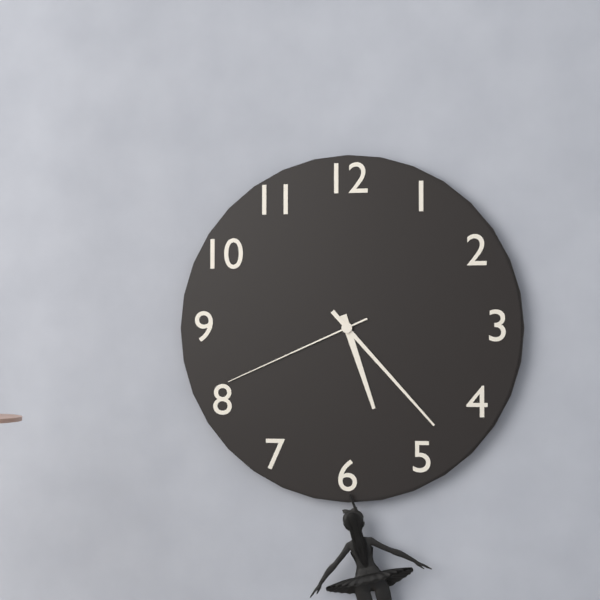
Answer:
5,23,41
